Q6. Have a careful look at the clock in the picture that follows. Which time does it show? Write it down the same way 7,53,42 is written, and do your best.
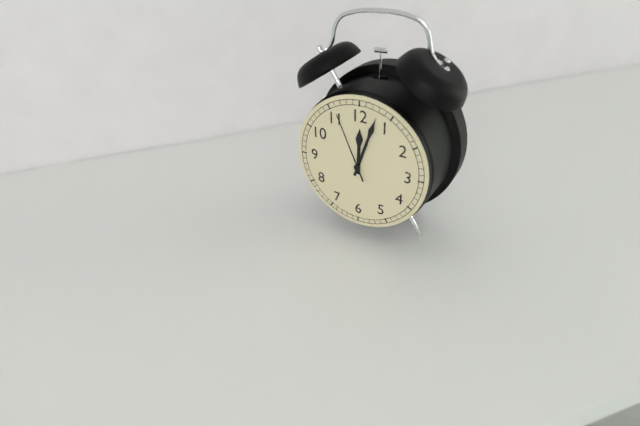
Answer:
12,03,56
